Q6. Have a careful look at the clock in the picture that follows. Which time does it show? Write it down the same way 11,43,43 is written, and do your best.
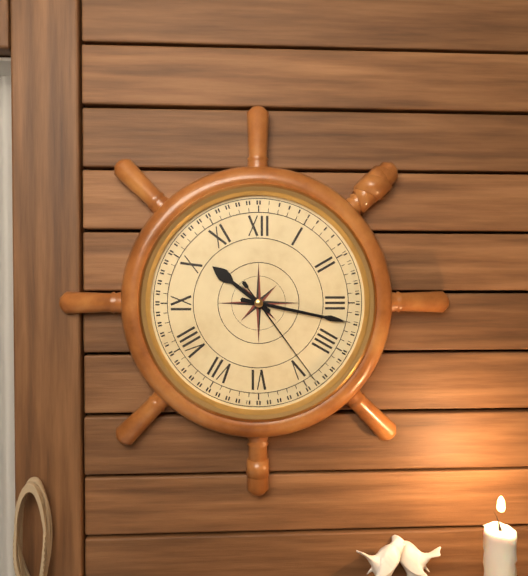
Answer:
10,17,24
